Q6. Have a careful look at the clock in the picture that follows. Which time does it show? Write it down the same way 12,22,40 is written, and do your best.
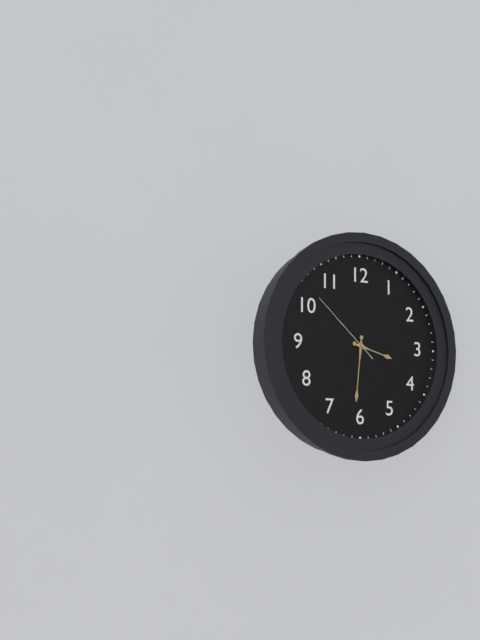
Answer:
3,31,52
